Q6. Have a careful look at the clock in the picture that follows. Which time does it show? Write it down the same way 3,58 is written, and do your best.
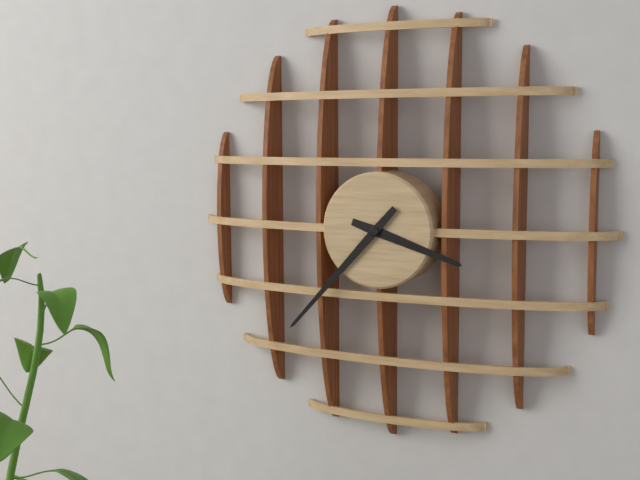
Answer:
3,37
